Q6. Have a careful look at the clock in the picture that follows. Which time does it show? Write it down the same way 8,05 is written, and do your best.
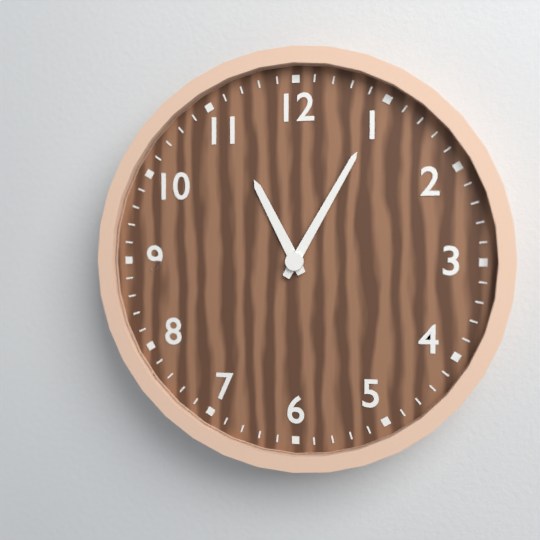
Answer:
11,05
